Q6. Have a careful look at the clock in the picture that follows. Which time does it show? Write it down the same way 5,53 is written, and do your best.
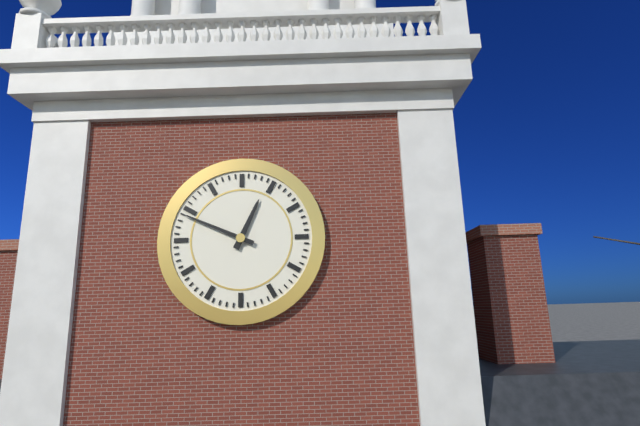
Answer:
12,49
